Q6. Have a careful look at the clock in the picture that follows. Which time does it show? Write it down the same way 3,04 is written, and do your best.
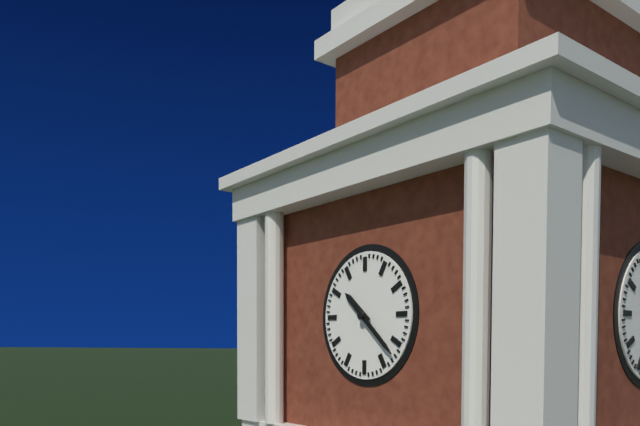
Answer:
10,22
